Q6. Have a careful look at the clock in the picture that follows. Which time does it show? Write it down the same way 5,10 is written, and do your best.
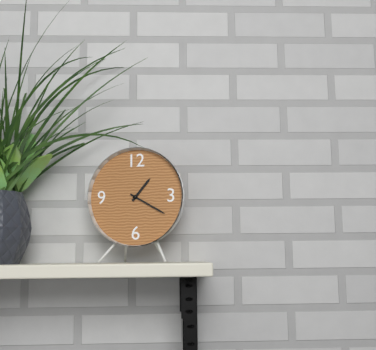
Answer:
1,20
